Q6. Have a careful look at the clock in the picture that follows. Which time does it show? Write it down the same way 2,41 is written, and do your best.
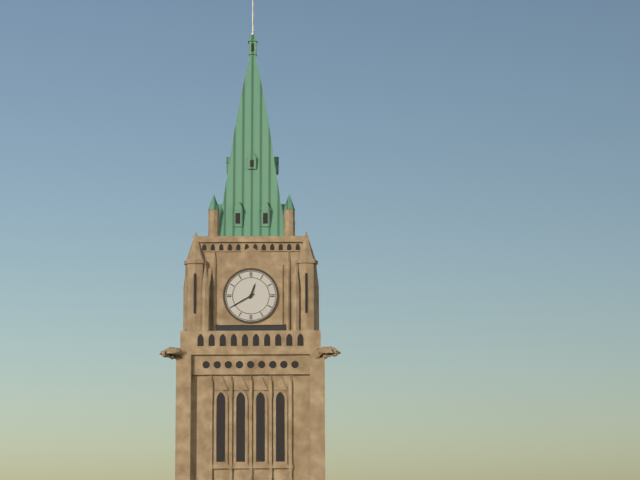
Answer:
12,40
